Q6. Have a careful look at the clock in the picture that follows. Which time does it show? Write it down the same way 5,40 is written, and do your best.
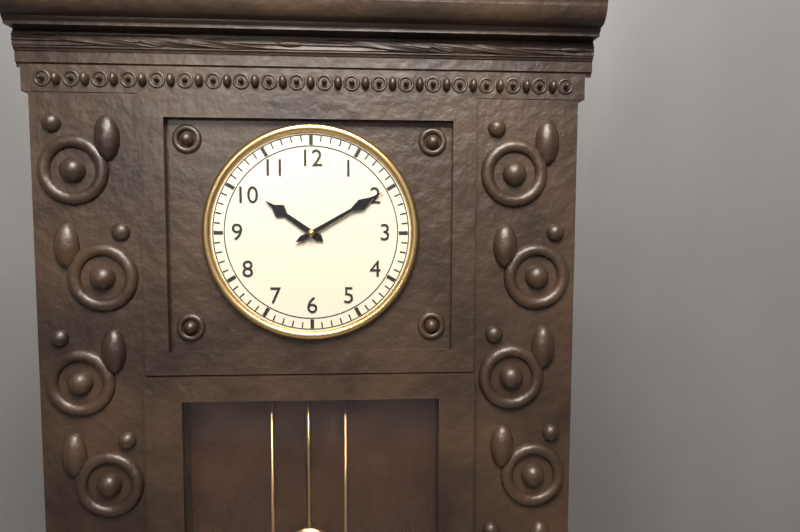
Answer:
10,10
